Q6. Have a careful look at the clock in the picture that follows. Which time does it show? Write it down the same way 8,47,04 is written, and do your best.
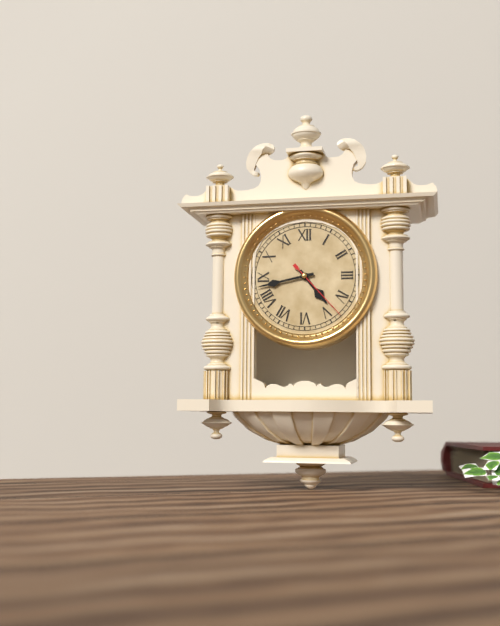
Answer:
4,43,23
